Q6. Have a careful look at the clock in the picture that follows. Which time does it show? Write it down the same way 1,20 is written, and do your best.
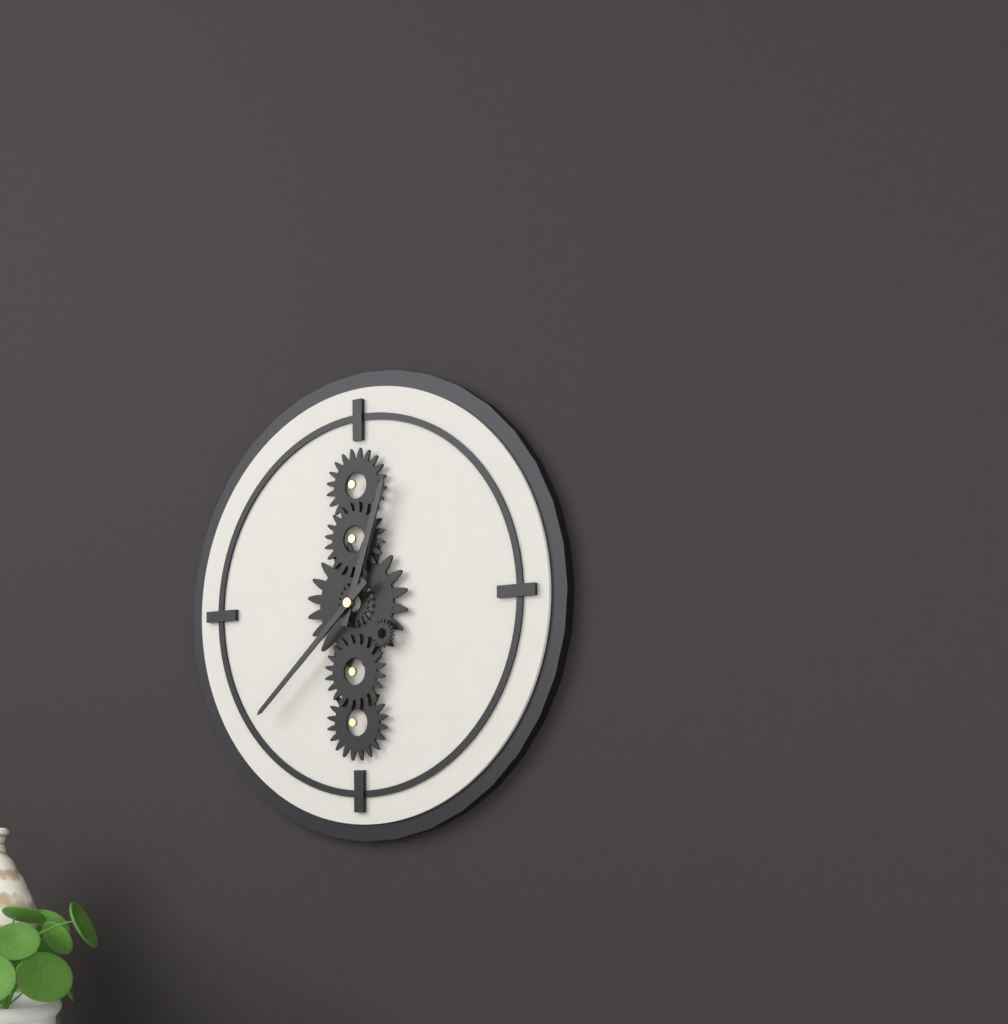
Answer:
12,38
